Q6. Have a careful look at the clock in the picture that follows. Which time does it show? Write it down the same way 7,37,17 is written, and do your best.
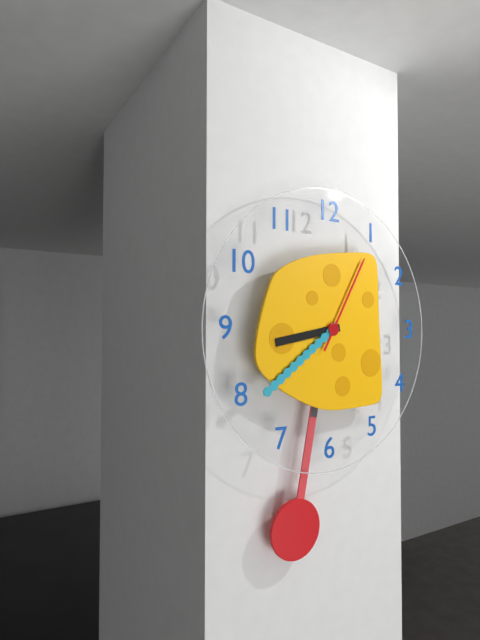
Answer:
8,39,05
